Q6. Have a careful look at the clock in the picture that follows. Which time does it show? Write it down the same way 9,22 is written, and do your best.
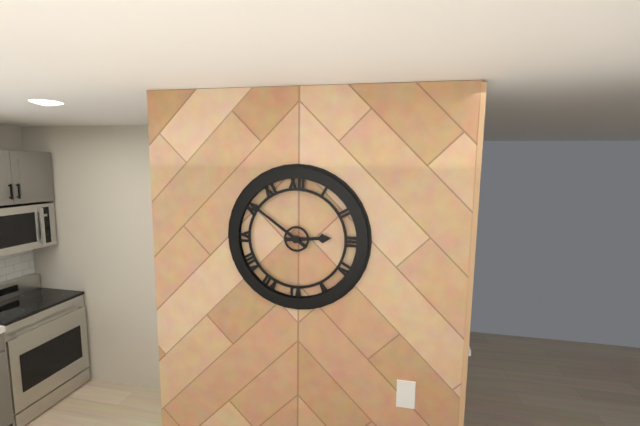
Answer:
2,51
